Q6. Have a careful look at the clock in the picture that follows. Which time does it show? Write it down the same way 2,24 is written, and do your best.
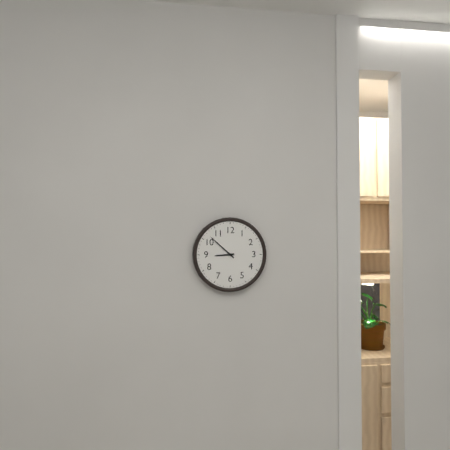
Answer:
8,52
